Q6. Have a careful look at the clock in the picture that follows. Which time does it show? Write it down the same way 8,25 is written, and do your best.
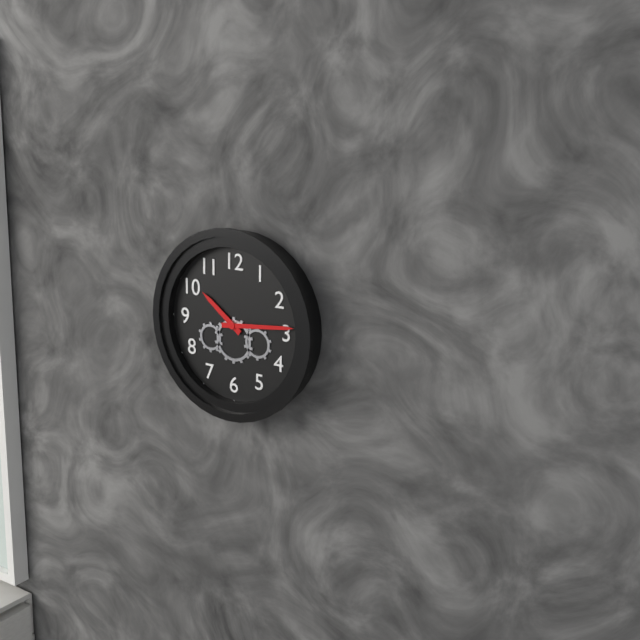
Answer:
10,14
